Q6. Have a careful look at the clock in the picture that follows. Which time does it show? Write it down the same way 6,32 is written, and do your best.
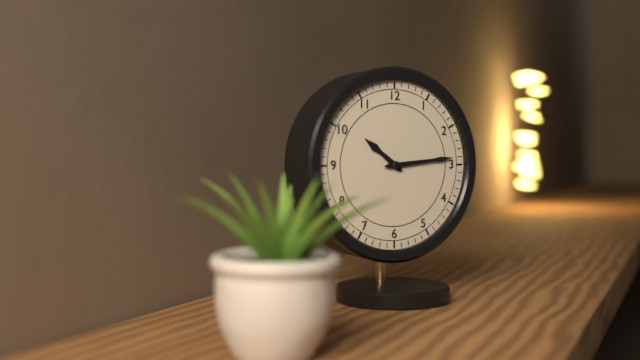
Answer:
10,14
